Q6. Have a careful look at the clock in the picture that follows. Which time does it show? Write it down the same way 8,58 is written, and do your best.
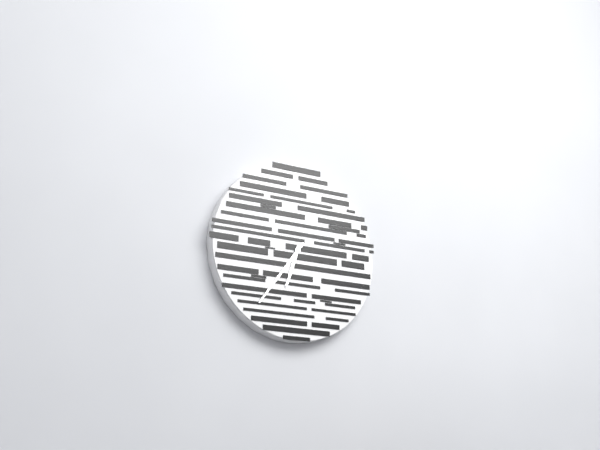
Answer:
6,36
